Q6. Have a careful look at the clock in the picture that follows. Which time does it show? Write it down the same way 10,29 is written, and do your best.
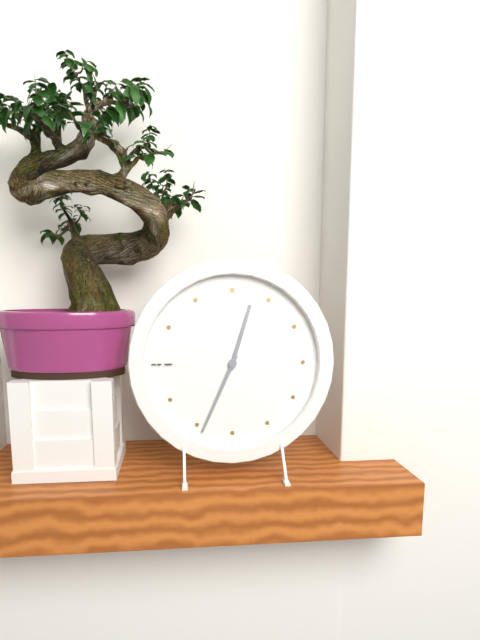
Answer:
12,34
